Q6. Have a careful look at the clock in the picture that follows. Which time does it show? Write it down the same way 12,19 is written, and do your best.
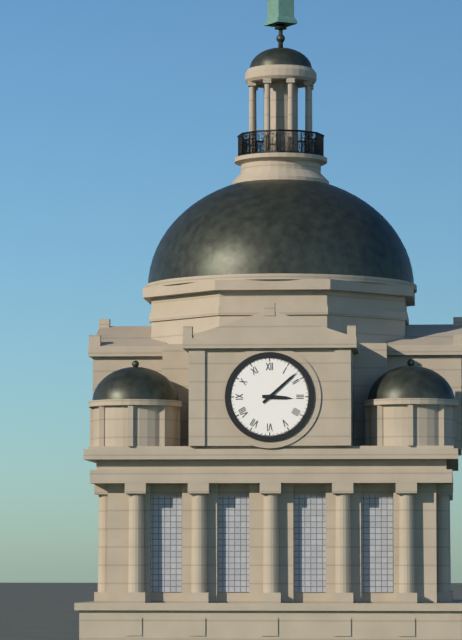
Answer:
3,08
